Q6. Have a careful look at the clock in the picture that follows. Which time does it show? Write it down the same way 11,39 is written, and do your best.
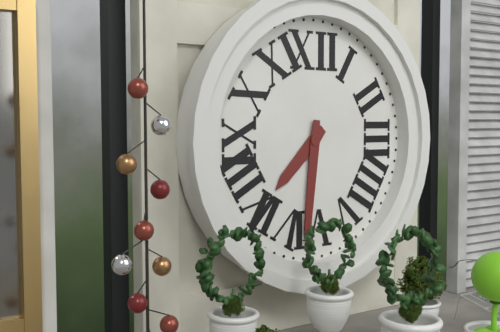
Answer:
7,31
